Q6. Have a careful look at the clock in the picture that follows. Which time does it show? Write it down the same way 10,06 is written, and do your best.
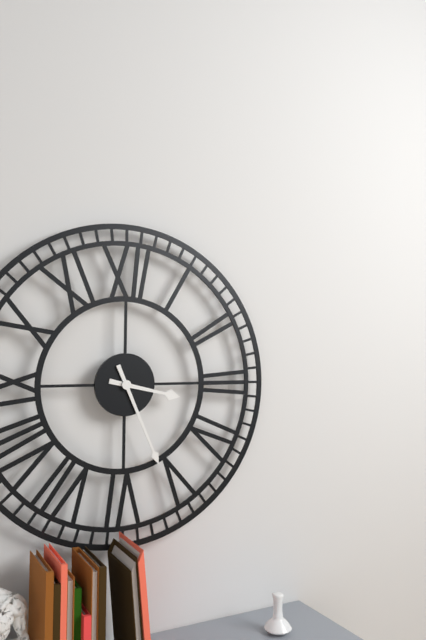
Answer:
3,26
